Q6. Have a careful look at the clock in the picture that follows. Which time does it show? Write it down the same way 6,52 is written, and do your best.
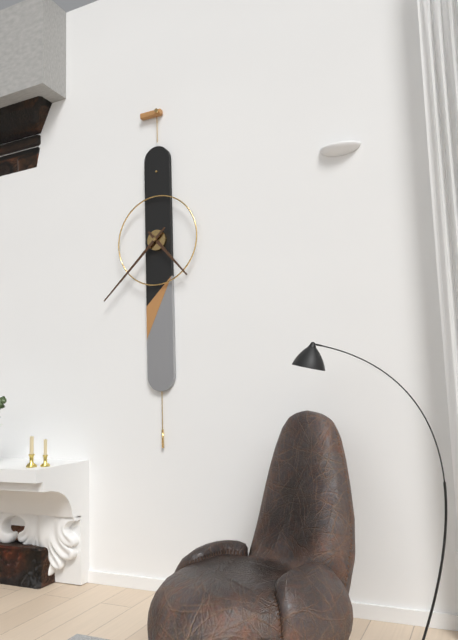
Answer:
4,38
